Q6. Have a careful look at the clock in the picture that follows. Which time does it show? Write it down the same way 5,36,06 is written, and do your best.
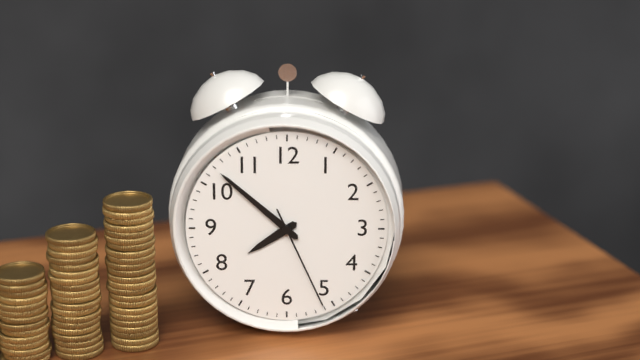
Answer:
7,52,26
